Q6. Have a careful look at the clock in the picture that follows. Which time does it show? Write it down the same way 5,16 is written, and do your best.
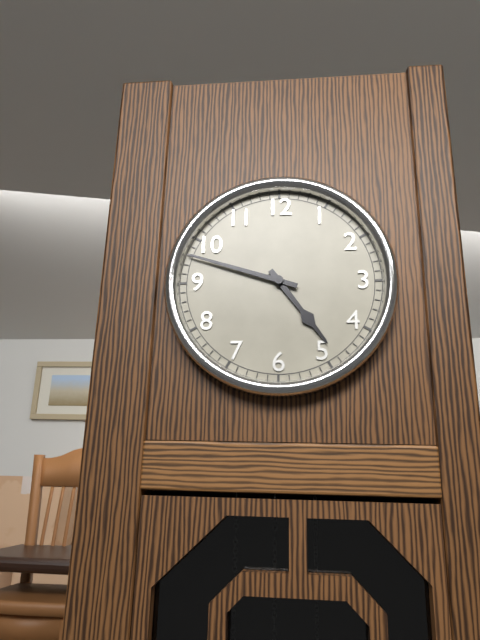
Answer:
4,48
